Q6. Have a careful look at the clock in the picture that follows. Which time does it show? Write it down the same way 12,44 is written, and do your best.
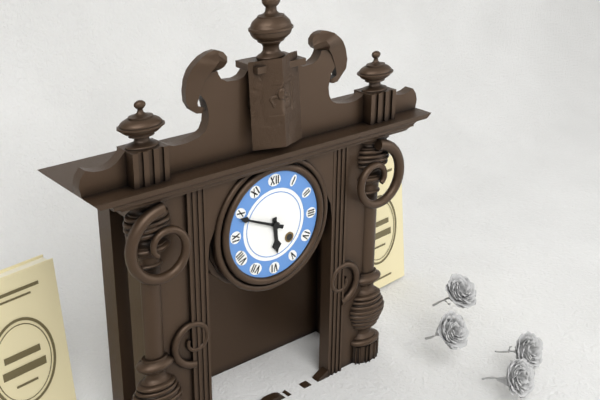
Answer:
5,49
